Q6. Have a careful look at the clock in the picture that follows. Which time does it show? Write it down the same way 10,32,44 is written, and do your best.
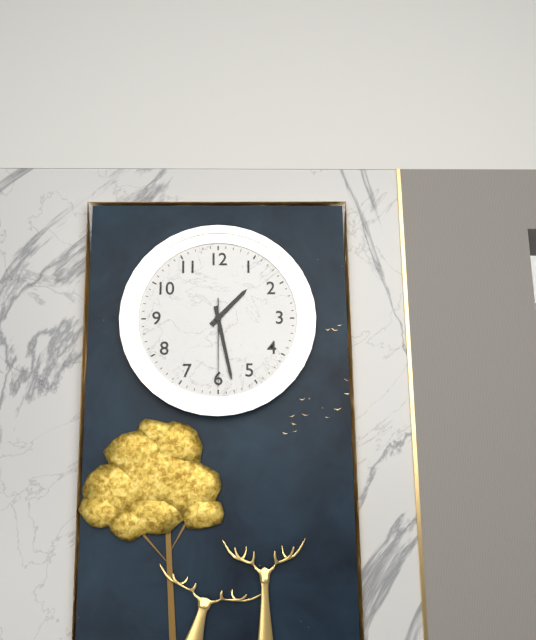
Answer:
1,28,30
